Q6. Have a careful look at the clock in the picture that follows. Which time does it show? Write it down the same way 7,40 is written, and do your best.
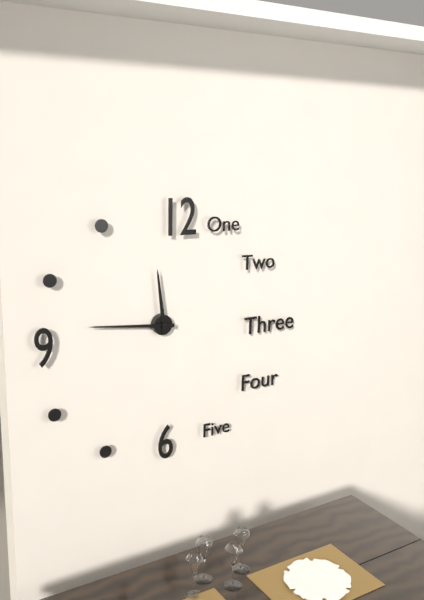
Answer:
11,46
